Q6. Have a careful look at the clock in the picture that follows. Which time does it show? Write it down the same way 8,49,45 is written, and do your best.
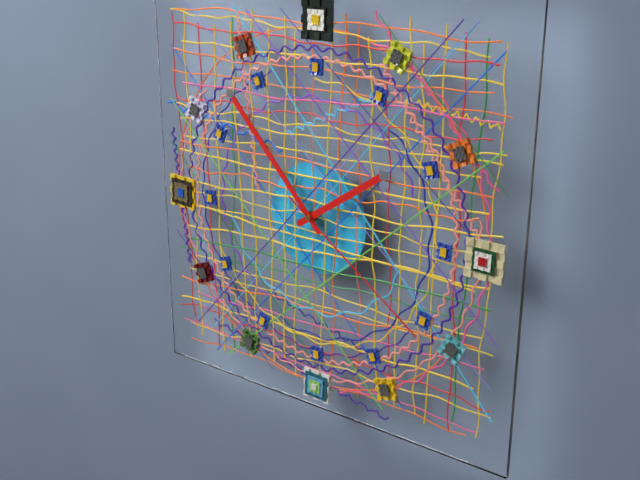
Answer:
1,53,21
